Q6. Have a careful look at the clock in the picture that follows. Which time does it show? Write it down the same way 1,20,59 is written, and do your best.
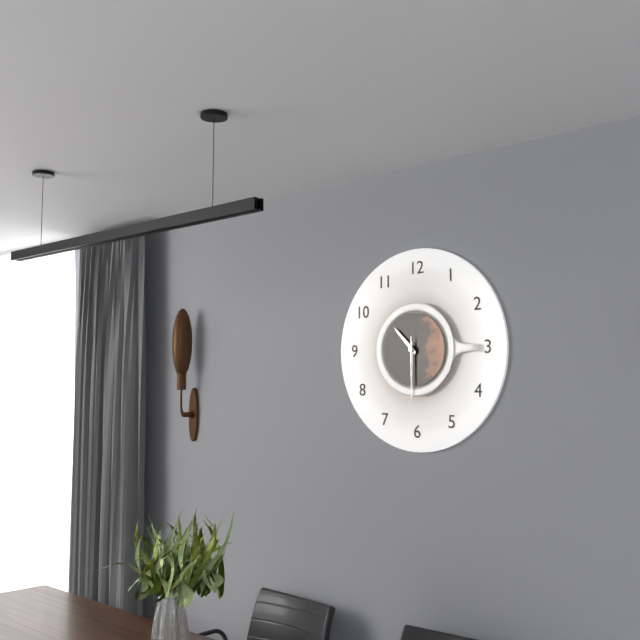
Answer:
10,30,30
